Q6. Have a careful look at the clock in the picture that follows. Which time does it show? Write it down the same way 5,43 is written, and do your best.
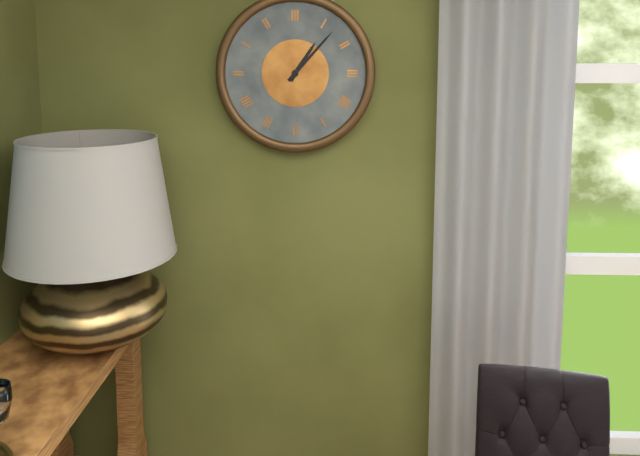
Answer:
1,07
